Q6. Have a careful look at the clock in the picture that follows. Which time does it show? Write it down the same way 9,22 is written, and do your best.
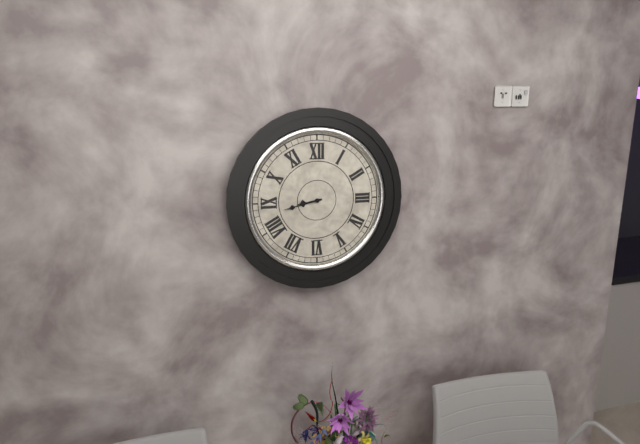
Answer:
8,43
